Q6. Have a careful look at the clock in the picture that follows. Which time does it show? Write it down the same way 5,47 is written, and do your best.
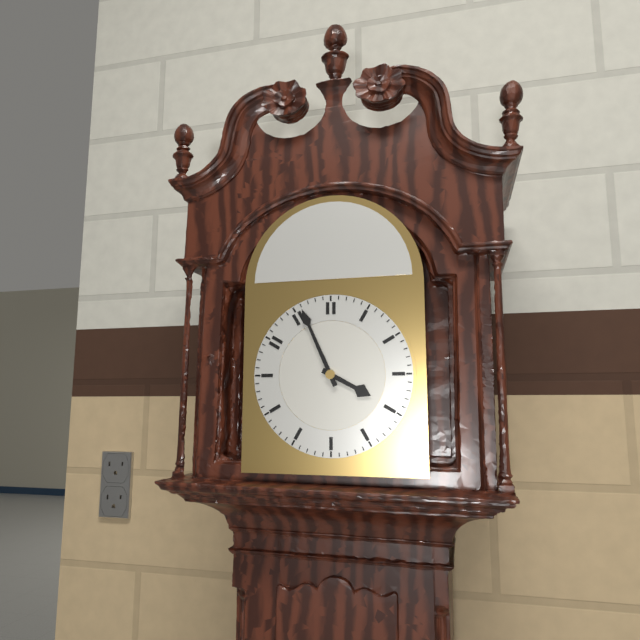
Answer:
3,56
